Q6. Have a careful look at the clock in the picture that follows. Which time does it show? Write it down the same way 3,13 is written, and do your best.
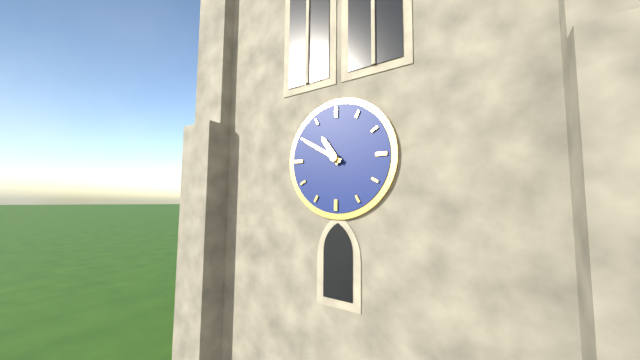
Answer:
10,50
